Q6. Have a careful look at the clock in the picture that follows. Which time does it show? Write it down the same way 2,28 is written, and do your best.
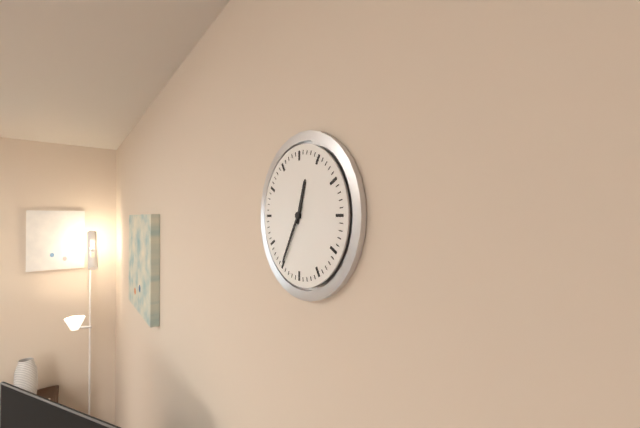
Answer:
12,35
